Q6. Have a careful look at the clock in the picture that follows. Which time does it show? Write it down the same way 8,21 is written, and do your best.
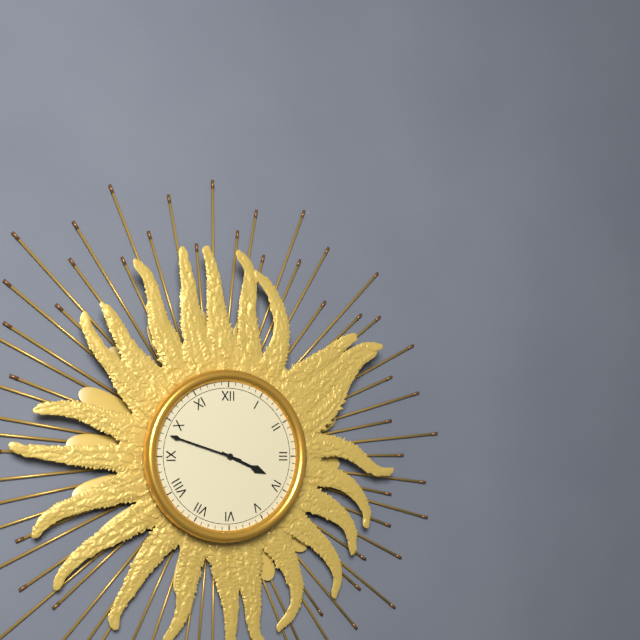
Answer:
3,48
